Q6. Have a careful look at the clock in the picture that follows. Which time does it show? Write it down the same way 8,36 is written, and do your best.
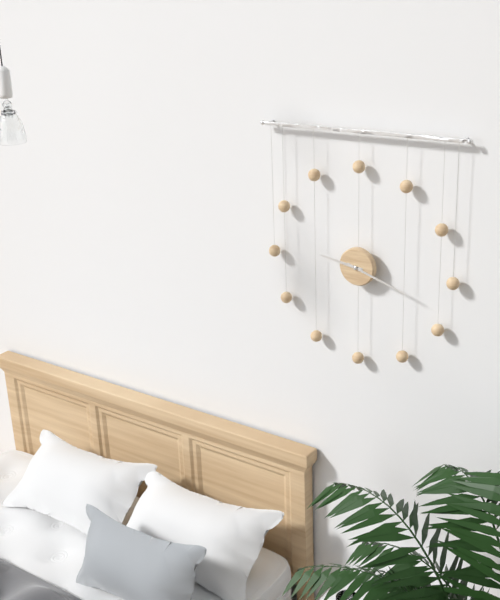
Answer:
9,18
